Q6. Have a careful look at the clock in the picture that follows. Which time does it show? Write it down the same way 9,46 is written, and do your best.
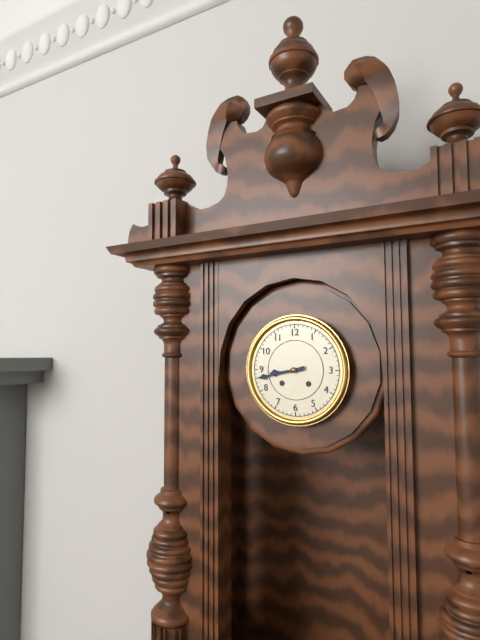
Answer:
8,43
